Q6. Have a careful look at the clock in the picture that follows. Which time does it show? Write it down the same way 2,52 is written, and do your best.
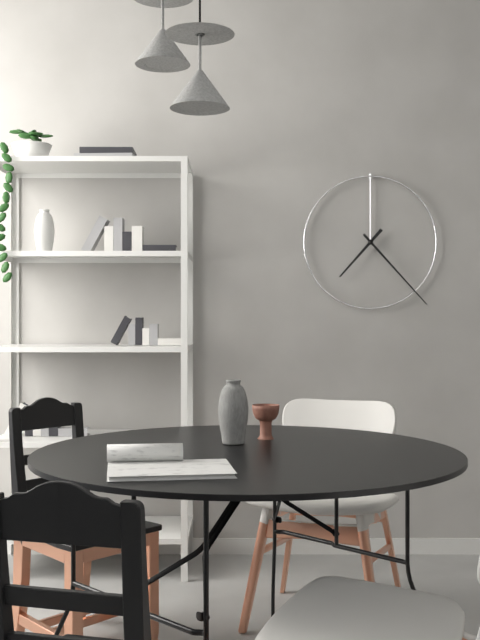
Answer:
7,23
